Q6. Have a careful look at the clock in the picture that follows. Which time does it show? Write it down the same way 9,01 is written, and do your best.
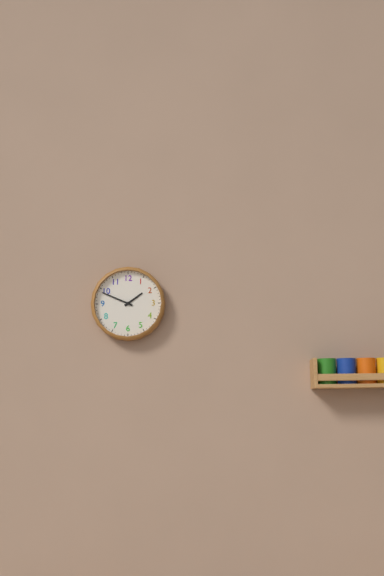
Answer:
1,49
